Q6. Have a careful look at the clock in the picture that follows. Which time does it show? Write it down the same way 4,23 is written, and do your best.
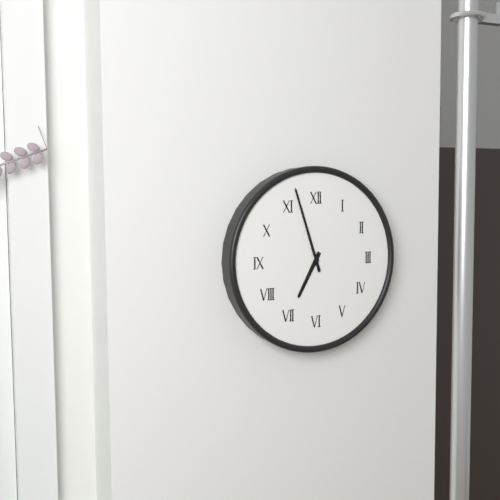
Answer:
6,57
